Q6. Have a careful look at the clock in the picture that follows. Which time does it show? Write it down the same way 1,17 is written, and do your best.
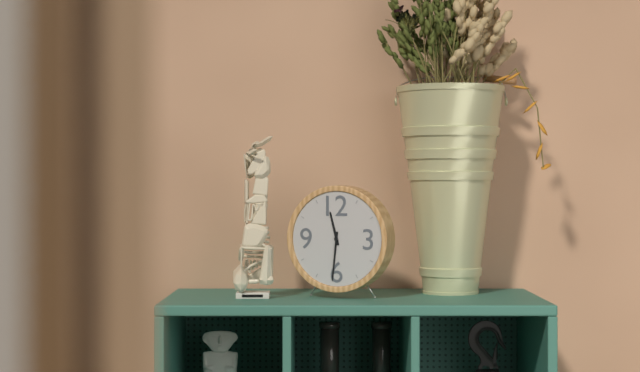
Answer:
11,31
